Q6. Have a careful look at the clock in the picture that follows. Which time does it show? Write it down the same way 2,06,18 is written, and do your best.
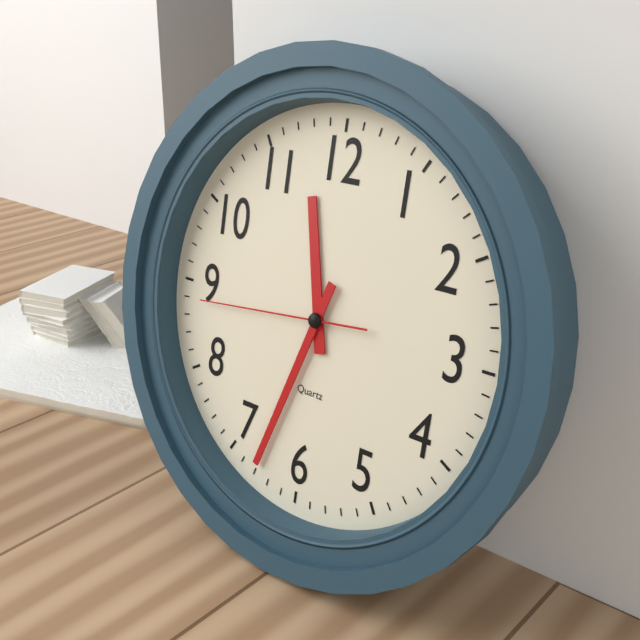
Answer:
11,33,44
